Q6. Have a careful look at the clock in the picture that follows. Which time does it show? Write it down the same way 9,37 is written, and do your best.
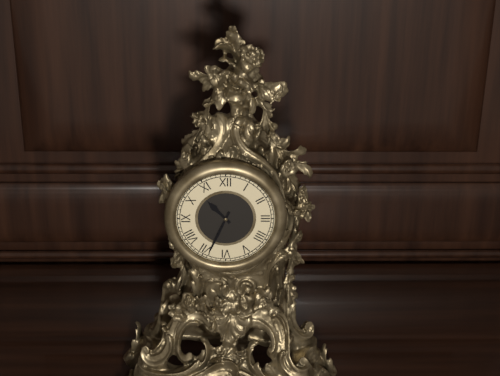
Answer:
10,34
